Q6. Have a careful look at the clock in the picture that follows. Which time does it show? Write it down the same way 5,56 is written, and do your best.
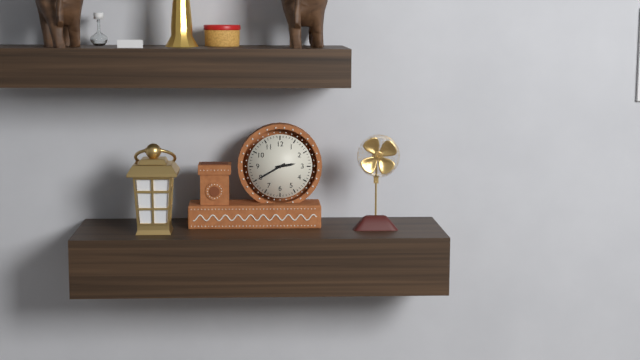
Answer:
2,40
